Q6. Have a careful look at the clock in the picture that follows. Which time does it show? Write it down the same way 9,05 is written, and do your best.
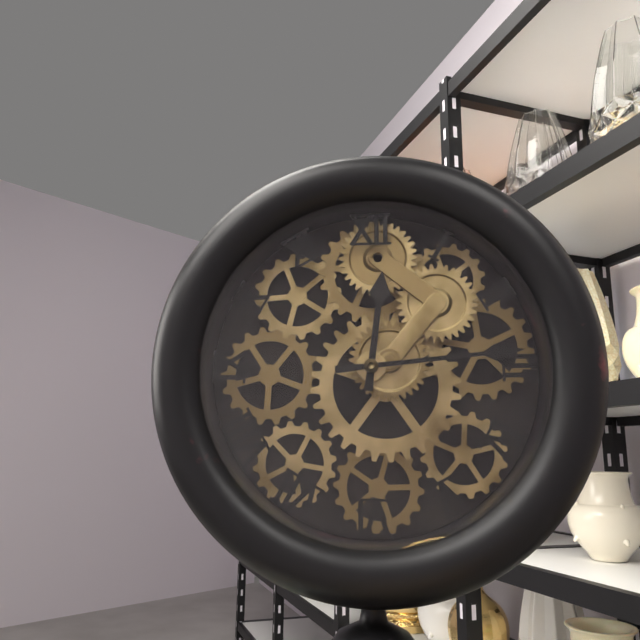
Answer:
12,14
